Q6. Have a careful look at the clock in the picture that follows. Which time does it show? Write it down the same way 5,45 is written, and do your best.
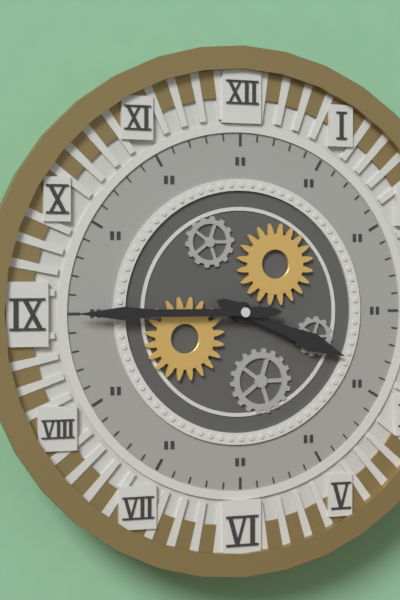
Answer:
3,45
